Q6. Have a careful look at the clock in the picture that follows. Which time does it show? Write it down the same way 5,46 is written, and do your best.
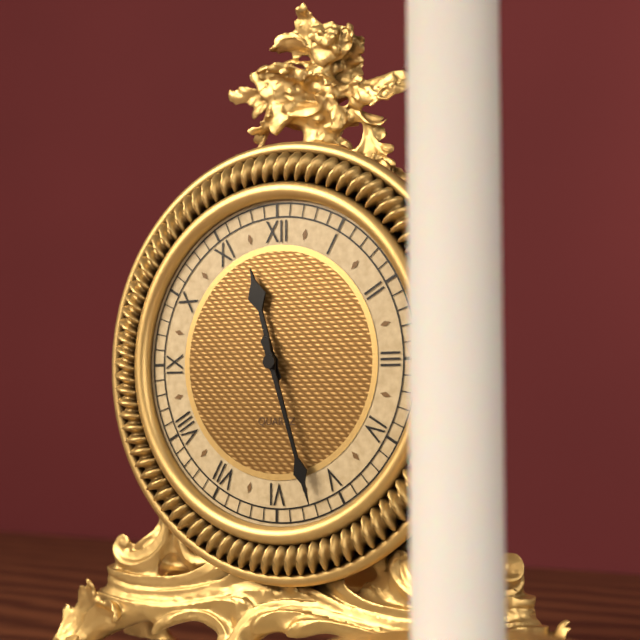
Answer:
11,27
